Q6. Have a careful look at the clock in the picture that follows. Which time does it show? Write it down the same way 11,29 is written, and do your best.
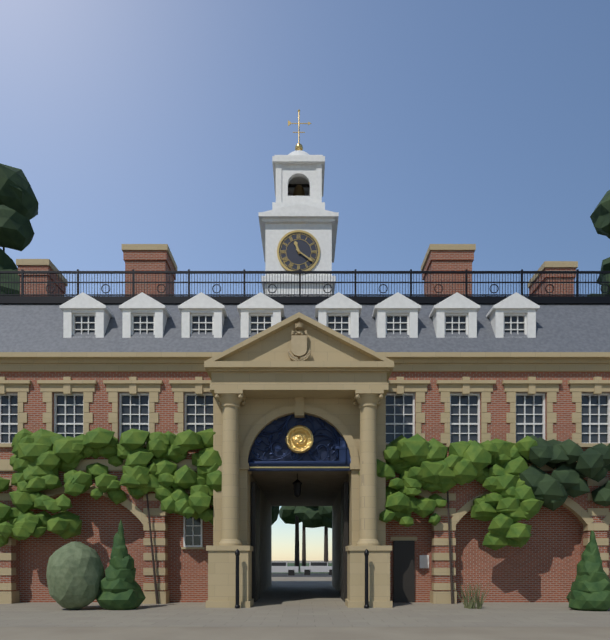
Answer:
11,21
